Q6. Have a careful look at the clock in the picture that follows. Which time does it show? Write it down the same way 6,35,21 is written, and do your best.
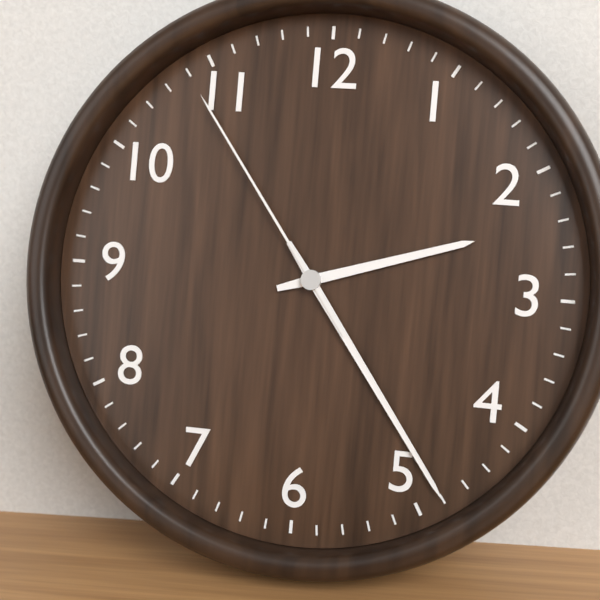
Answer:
2,24,54
